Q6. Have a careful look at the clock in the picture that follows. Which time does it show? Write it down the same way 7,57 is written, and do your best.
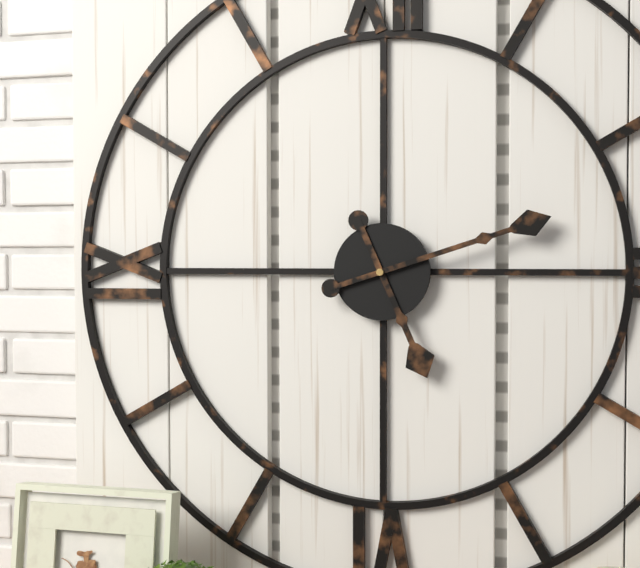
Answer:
5,12
